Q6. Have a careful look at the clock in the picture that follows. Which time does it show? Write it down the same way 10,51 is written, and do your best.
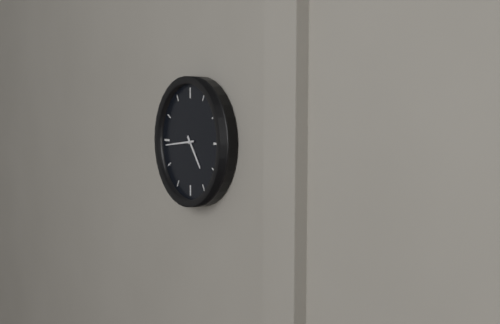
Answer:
4,44
